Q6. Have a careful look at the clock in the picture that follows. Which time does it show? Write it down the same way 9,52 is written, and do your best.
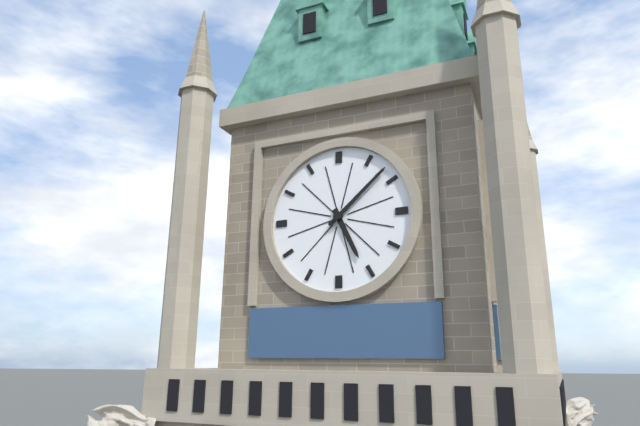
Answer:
5,08
